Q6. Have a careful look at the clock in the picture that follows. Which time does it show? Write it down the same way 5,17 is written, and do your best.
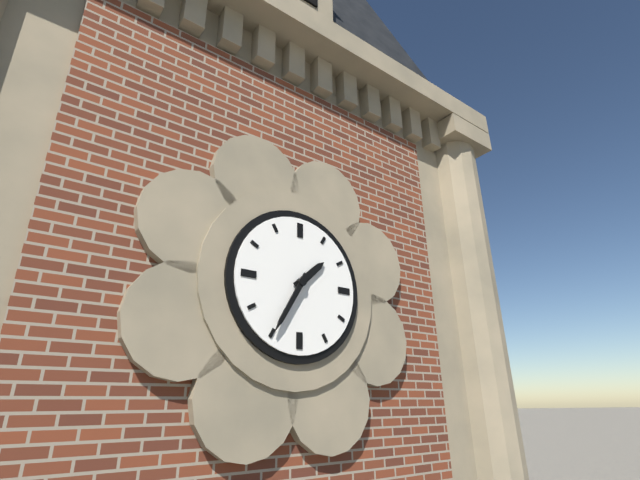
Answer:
1,35
